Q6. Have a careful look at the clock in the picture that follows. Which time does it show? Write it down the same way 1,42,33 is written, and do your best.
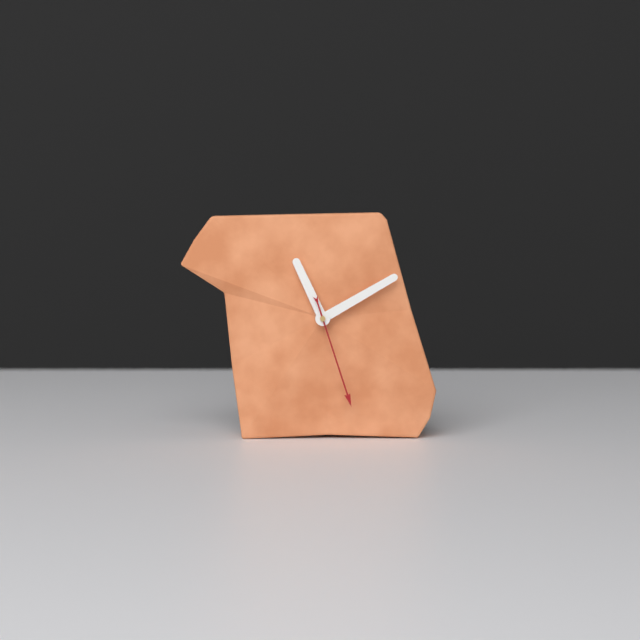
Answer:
11,10,27
